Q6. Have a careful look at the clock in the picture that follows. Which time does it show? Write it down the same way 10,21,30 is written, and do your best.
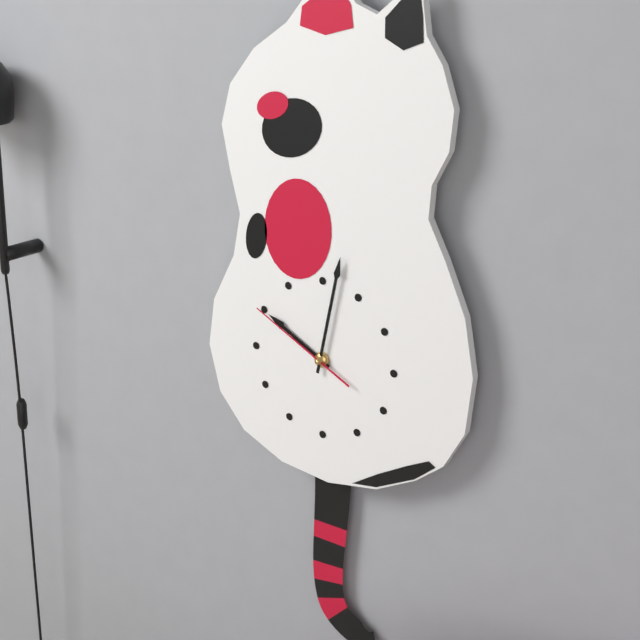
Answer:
10,02,50
